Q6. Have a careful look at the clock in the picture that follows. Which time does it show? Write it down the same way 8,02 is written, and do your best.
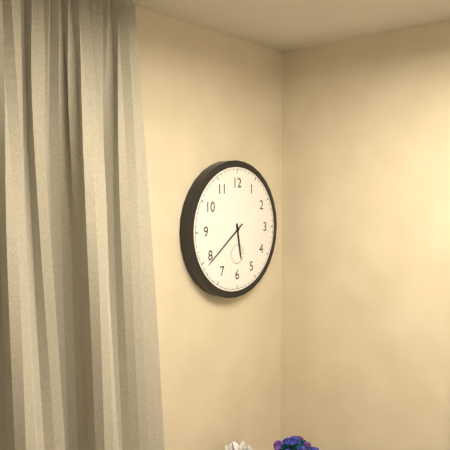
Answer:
5,39
